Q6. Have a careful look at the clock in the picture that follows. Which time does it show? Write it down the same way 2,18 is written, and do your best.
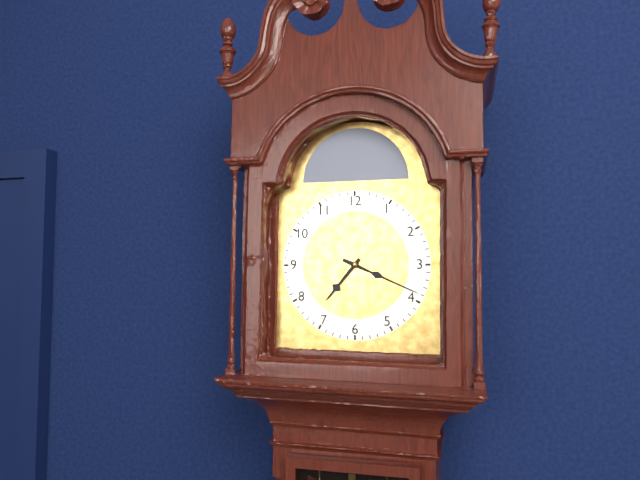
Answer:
7,19
